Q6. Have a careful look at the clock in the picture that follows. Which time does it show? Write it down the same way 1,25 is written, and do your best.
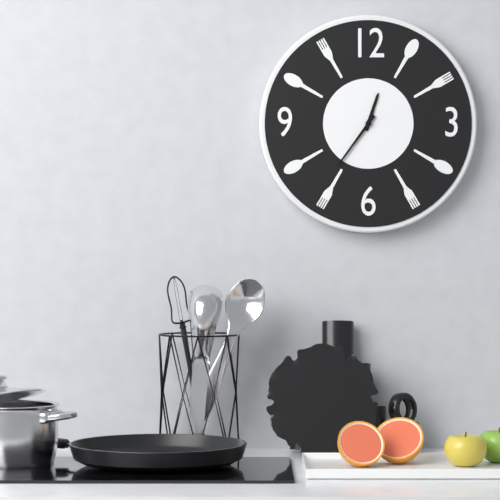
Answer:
12,36
